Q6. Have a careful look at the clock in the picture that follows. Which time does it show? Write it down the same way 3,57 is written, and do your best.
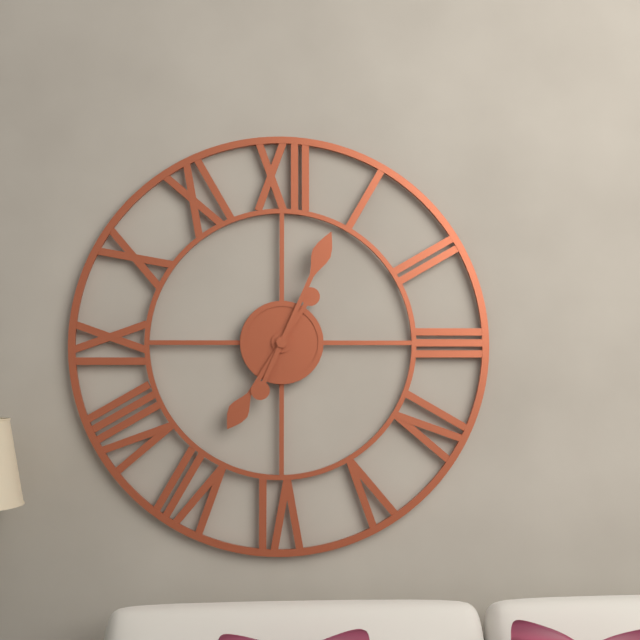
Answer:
7,04
